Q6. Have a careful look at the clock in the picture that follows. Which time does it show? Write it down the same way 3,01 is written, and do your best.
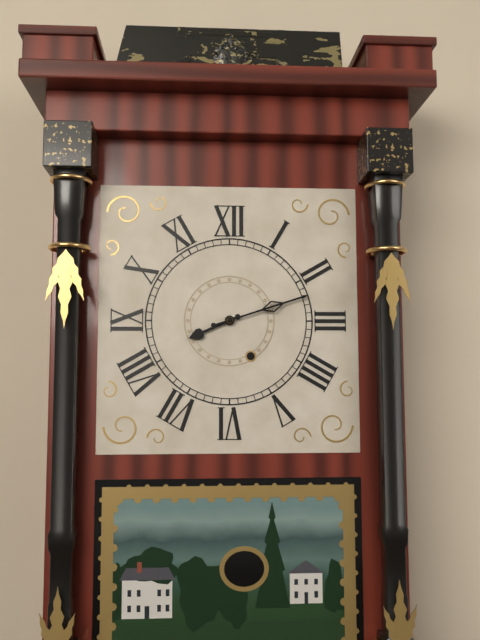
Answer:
8,12
